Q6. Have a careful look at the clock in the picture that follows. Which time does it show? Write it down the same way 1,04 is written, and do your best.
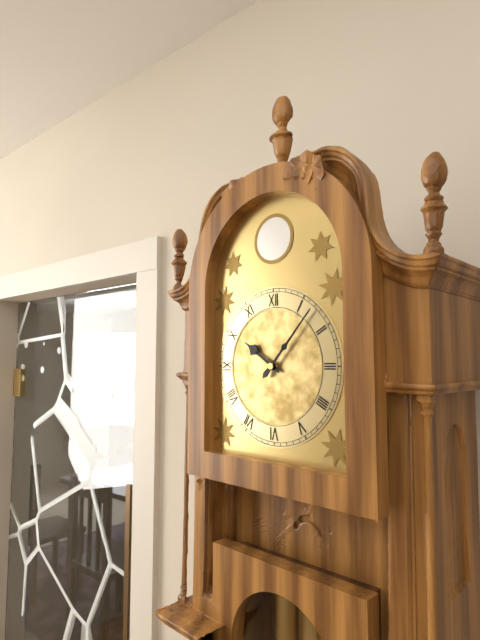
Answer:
10,07
